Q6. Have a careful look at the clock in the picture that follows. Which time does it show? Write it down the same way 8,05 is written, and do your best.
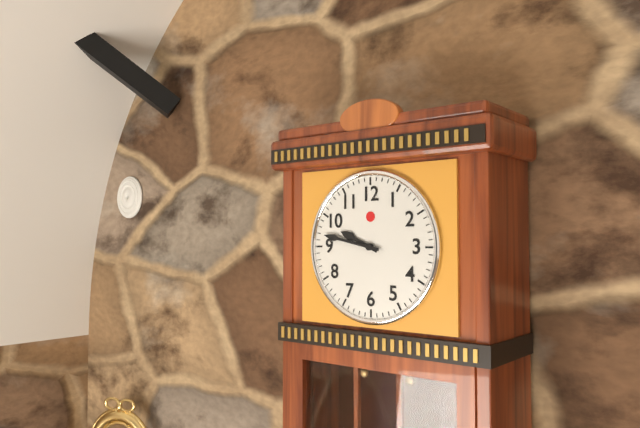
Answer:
9,47
